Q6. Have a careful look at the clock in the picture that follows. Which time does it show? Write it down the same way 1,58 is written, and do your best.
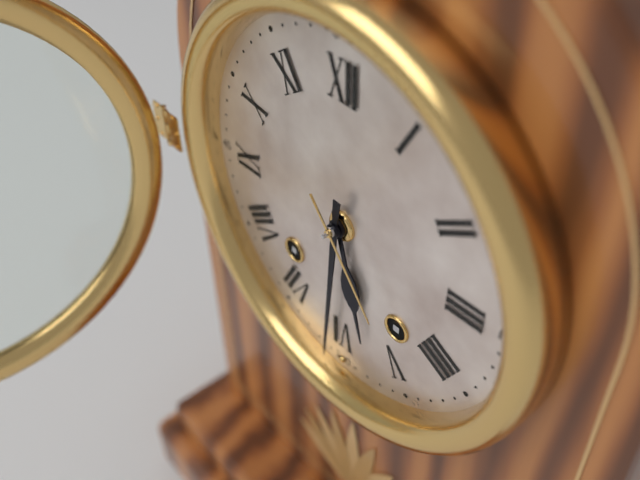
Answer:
5,31
